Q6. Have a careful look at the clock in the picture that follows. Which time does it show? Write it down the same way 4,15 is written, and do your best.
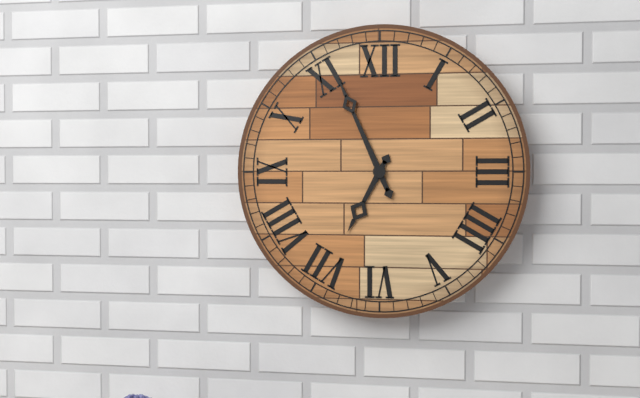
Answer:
6,56
